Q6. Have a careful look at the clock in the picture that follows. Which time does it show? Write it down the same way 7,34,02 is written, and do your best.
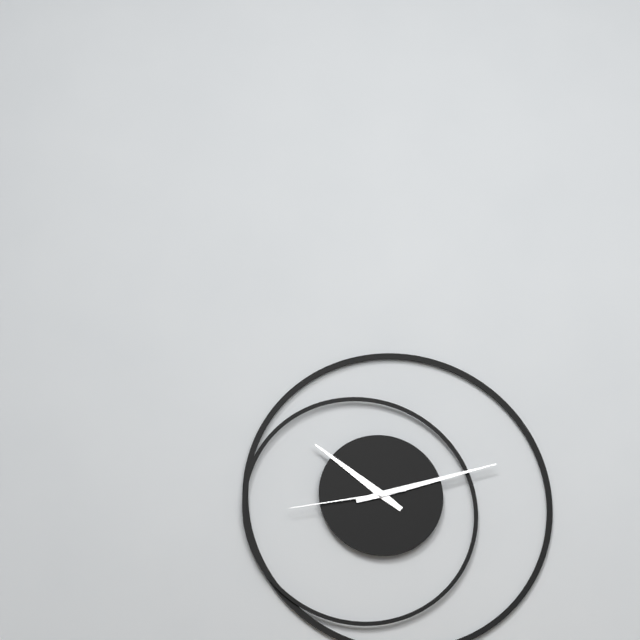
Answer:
10,12,43
